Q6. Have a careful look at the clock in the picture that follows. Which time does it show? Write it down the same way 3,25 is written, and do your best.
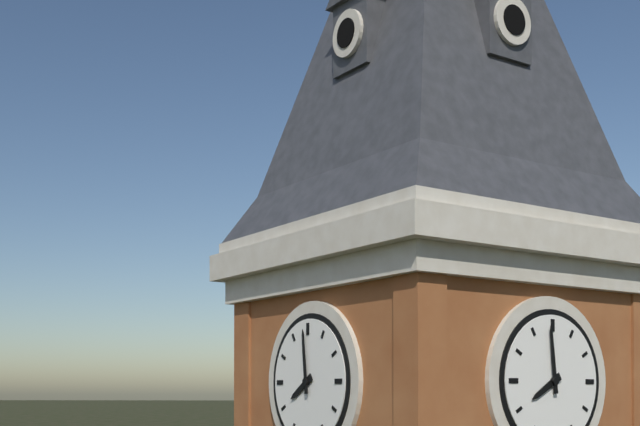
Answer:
7,59
